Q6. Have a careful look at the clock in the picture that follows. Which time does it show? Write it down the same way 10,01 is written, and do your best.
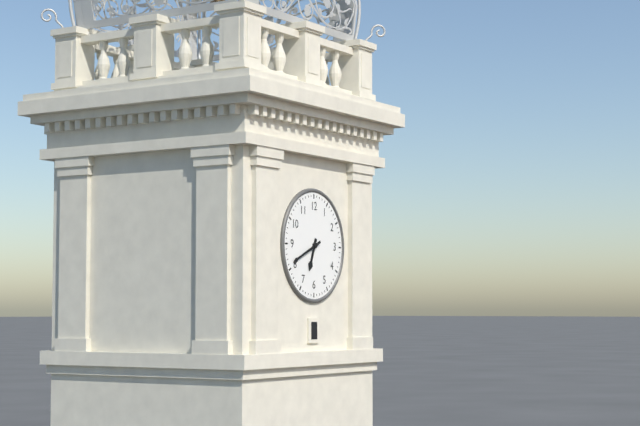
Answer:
6,41
